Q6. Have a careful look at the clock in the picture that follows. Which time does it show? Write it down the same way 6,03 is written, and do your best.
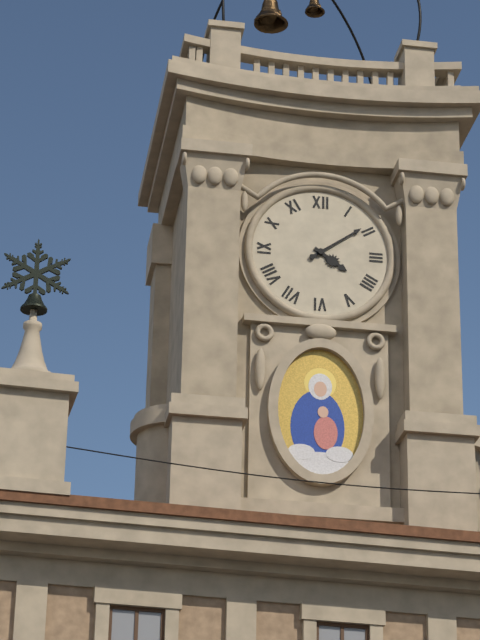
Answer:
4,09
